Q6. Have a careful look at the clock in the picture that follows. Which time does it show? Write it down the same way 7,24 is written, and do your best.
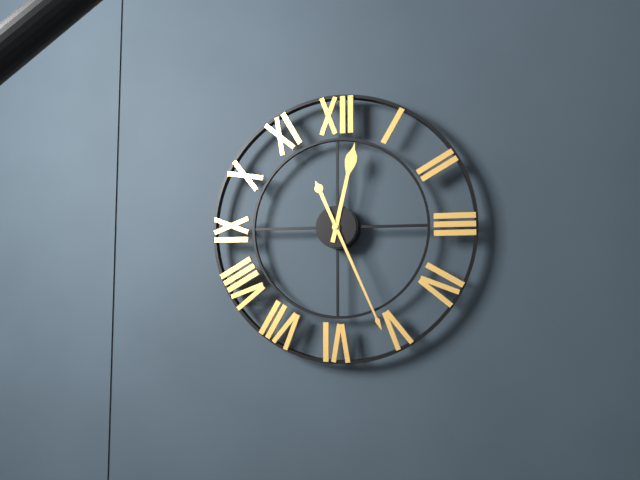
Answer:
12,26
